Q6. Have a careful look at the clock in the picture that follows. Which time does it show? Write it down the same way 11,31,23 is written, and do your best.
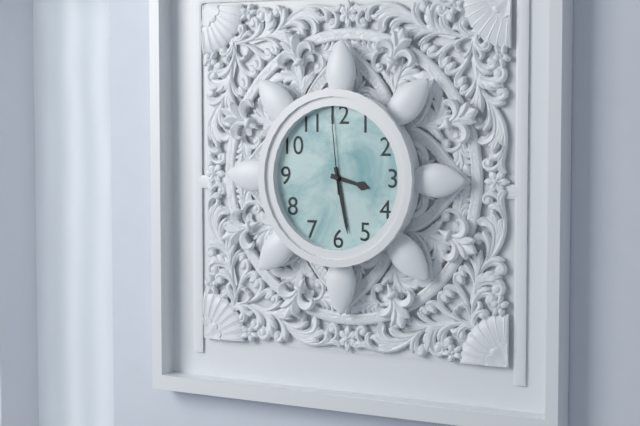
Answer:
3,28,59
